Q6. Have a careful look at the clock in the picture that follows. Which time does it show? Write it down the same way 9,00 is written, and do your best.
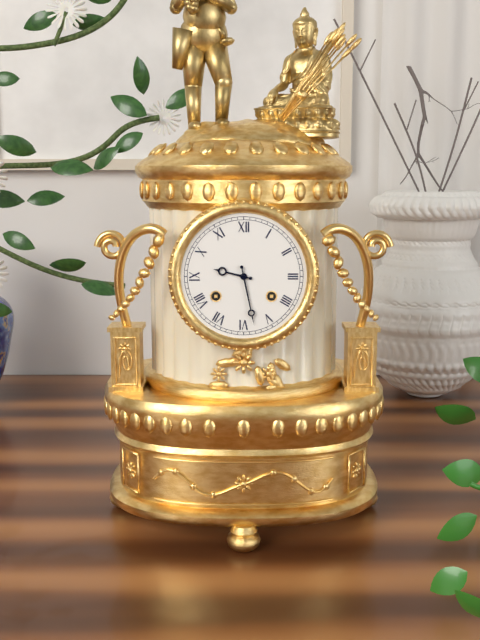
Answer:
9,28
